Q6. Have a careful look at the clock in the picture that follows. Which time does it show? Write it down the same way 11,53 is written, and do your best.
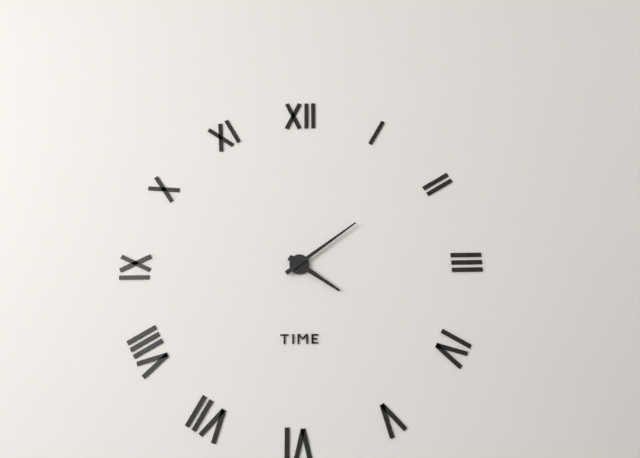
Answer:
4,09
